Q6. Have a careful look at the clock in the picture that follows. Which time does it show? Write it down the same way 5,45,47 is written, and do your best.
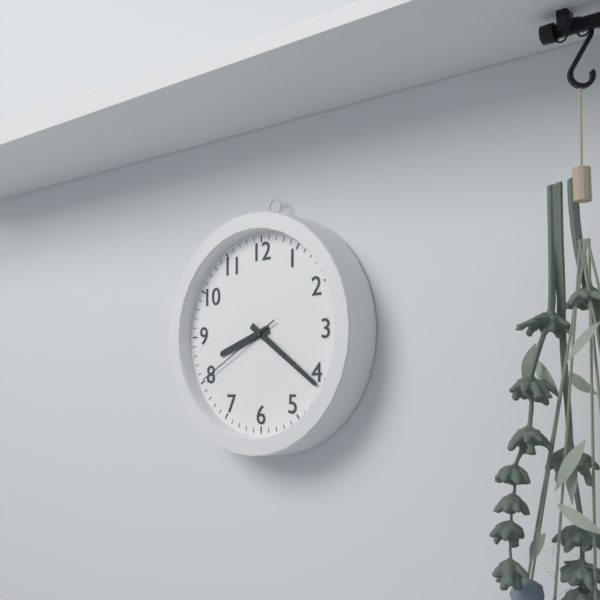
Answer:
8,21,40
